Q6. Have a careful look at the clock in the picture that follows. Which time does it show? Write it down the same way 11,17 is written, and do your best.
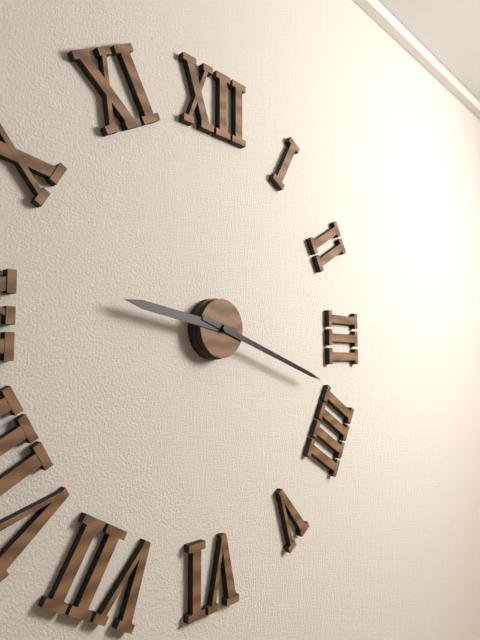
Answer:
9,18
